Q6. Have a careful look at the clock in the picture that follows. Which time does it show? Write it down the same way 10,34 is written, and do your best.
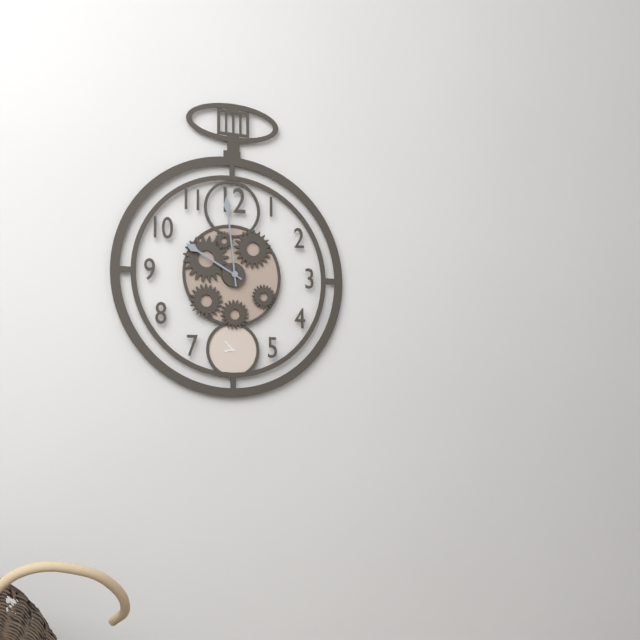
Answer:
9,59
